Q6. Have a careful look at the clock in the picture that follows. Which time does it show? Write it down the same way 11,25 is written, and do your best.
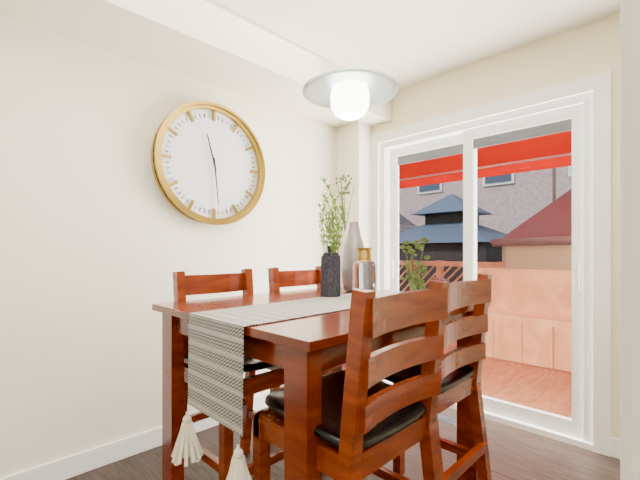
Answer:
11,29
